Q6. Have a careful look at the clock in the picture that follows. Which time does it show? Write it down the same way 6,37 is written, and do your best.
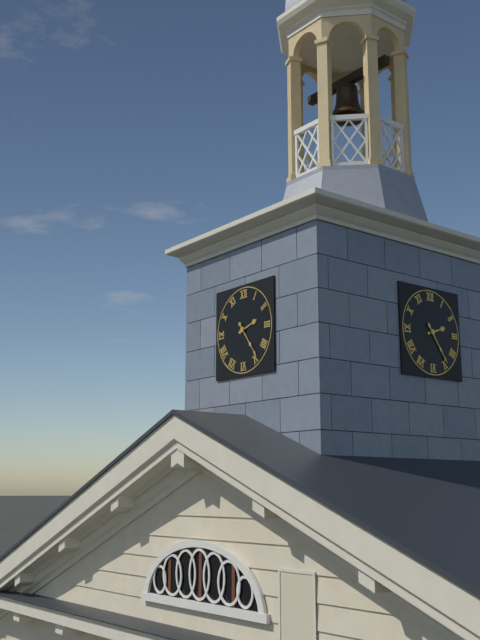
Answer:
2,24
